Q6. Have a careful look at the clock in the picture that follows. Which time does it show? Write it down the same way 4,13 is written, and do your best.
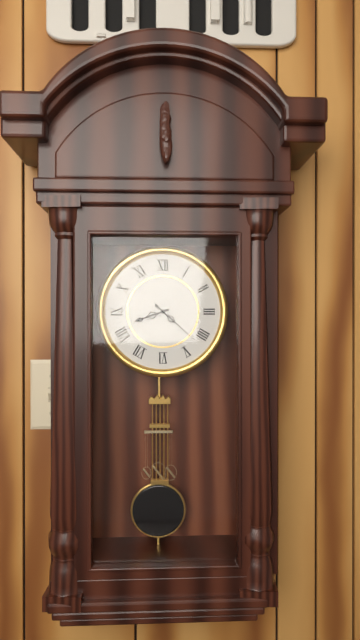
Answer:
8,22
